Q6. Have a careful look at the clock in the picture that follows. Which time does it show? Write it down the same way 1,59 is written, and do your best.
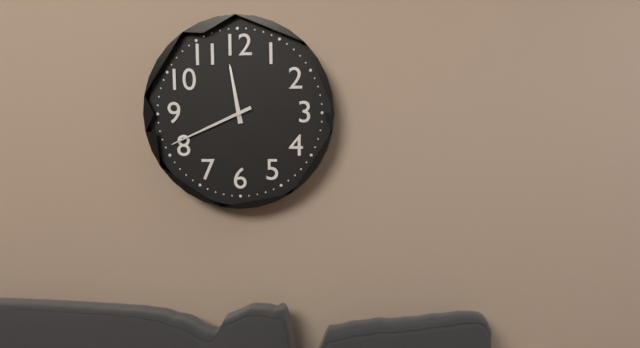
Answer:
11,41
